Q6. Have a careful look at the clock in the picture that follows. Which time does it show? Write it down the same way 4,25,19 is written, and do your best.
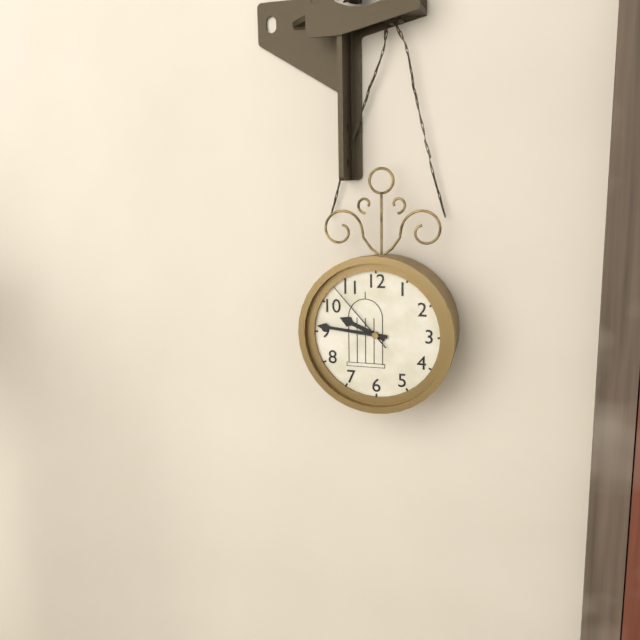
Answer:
9,46,53
